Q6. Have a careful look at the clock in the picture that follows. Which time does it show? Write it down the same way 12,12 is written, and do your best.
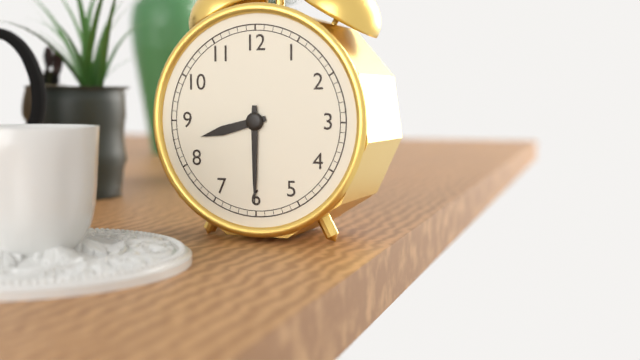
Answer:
8,30
